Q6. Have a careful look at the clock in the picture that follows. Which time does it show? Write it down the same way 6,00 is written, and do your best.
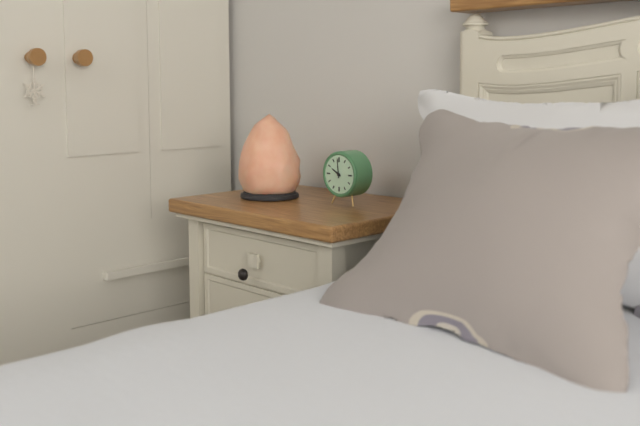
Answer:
9,59
